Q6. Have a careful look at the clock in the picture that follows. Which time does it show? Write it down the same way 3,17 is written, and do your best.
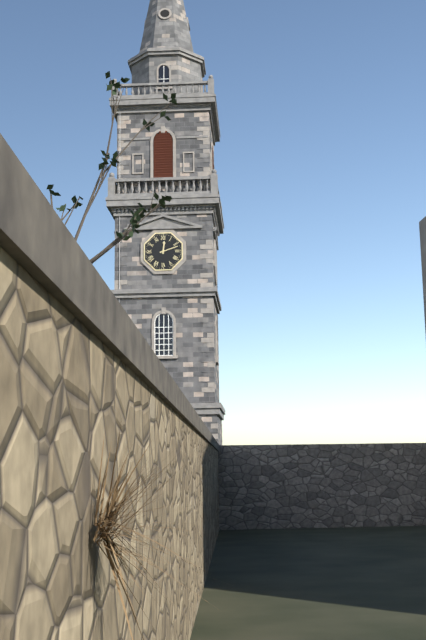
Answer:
12,12
